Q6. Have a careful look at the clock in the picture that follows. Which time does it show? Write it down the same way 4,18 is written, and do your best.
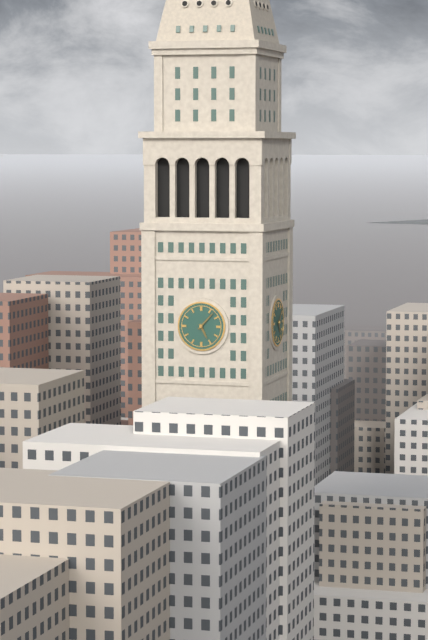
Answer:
5,07
